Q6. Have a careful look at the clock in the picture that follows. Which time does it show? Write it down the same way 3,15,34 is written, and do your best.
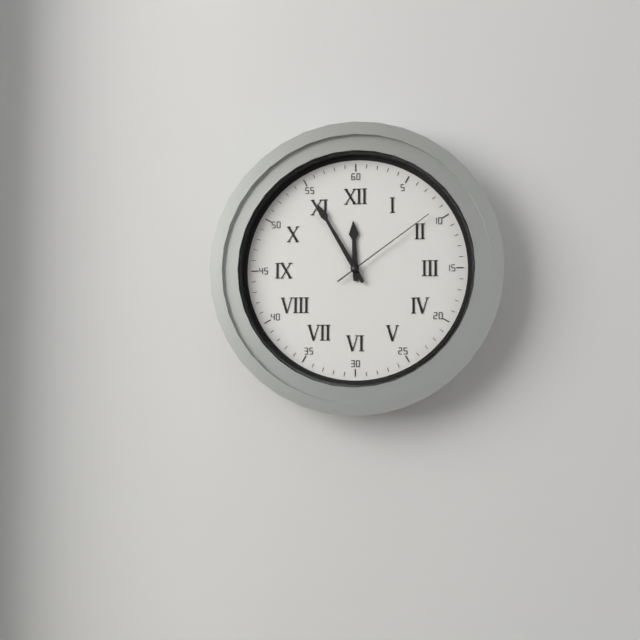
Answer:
11,55,09
